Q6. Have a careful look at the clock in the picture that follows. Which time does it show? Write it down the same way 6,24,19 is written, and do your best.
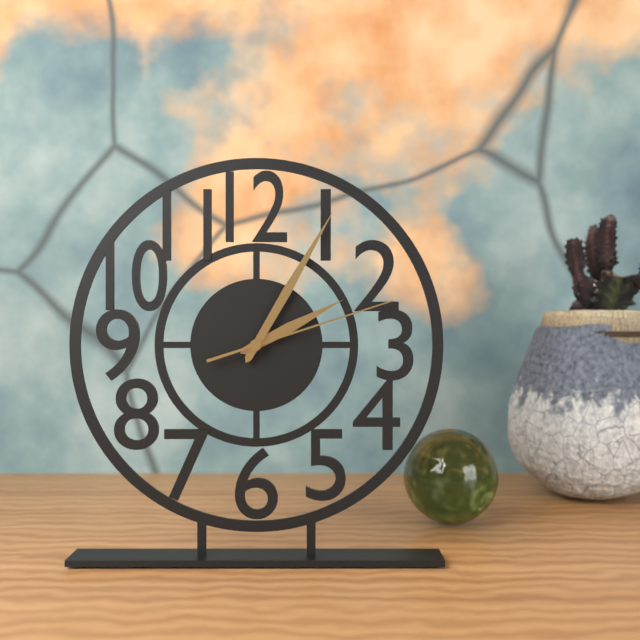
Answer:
2,05,12
